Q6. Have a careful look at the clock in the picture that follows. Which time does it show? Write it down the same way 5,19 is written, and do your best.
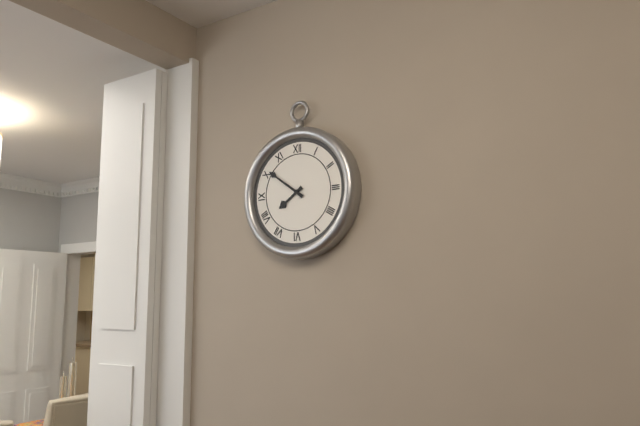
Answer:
7,51
